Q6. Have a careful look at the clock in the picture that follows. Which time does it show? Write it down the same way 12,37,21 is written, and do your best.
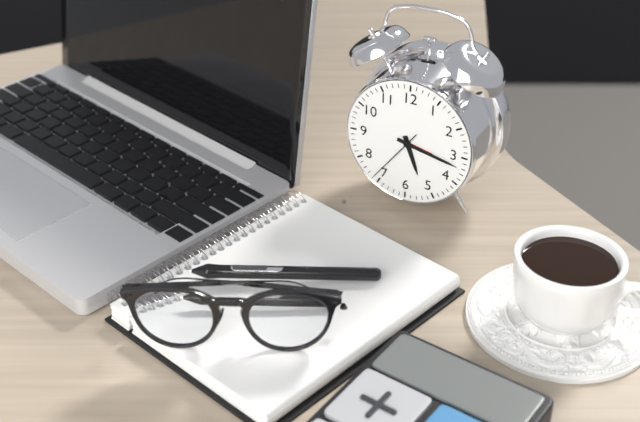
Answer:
5,17,36
